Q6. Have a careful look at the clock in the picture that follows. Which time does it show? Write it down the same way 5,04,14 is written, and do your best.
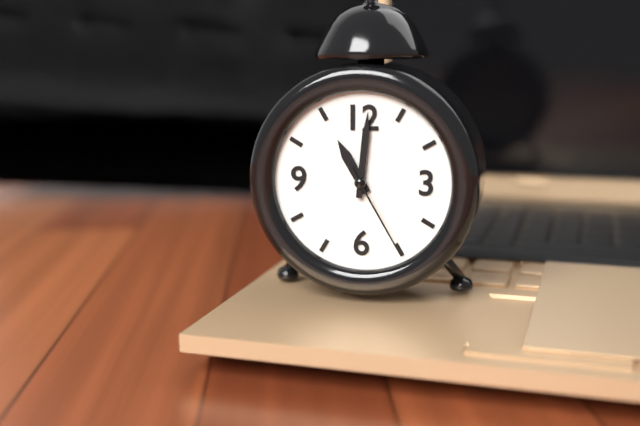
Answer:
11,01,25
